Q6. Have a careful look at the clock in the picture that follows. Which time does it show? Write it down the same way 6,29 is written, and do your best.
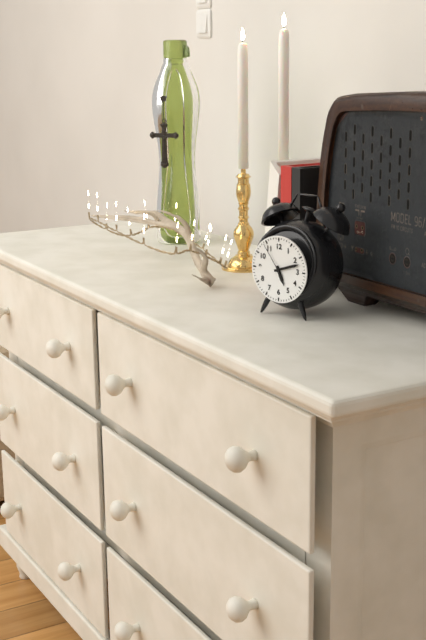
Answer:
5,12
